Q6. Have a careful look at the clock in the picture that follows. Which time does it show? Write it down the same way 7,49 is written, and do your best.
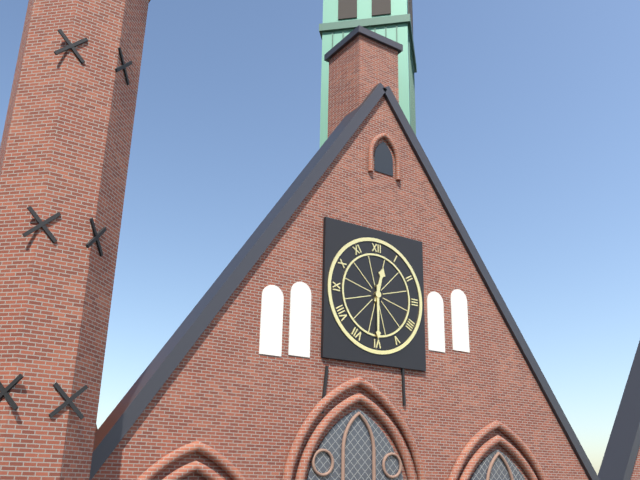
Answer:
12,30
